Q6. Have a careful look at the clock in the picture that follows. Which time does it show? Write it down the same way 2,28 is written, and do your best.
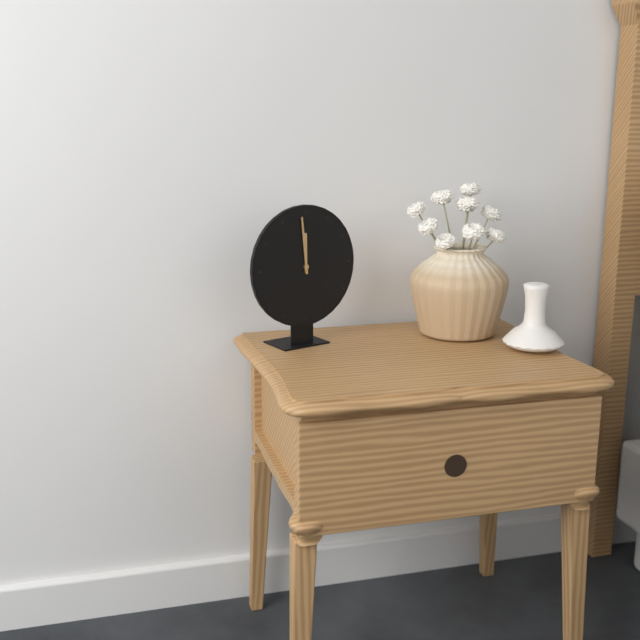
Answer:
11,59
